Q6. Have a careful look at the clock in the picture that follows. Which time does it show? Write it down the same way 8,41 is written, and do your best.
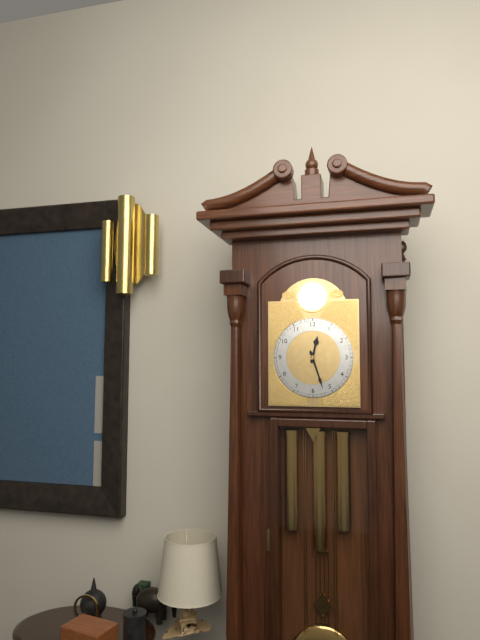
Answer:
12,27
